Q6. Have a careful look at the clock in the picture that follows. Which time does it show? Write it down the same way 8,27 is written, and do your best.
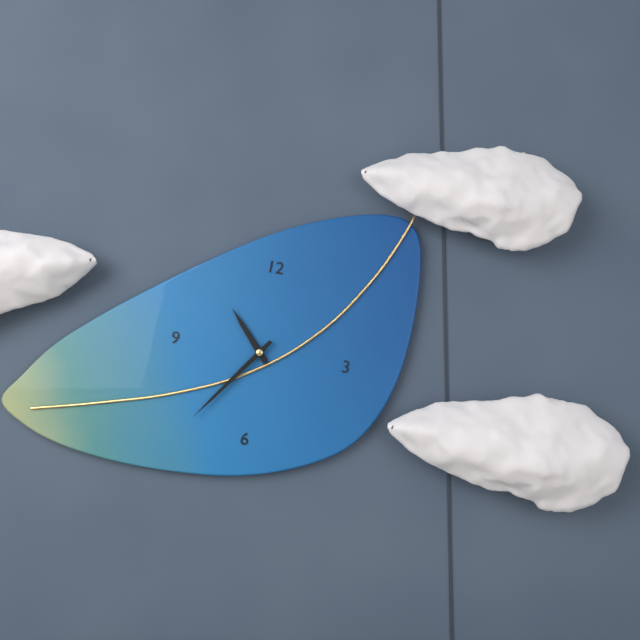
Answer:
10,36
